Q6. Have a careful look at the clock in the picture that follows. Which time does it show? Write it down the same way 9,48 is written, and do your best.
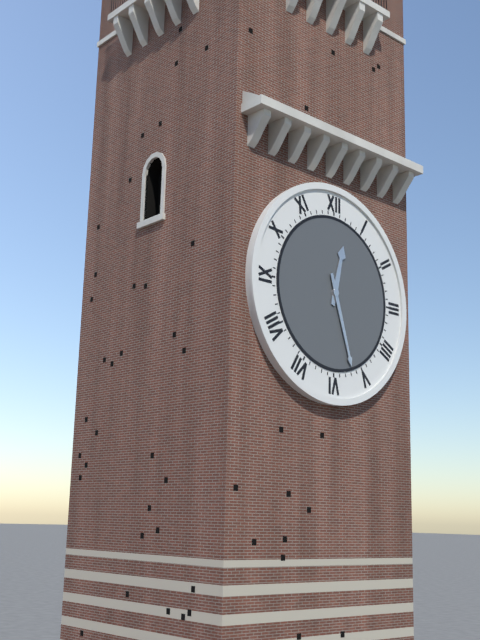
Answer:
12,27
